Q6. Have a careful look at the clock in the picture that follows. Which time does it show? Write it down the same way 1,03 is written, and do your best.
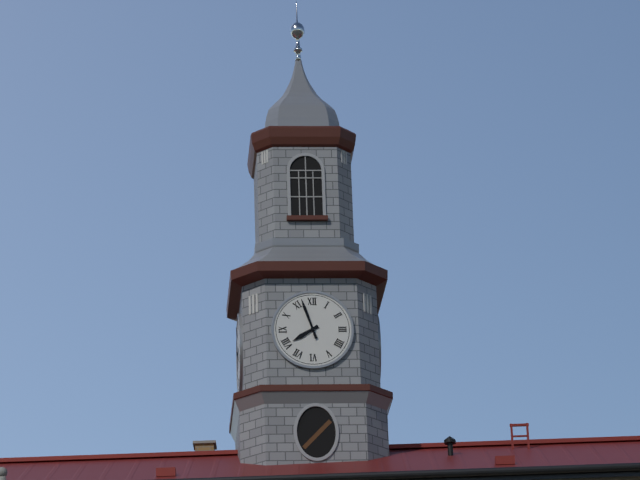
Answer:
7,57
